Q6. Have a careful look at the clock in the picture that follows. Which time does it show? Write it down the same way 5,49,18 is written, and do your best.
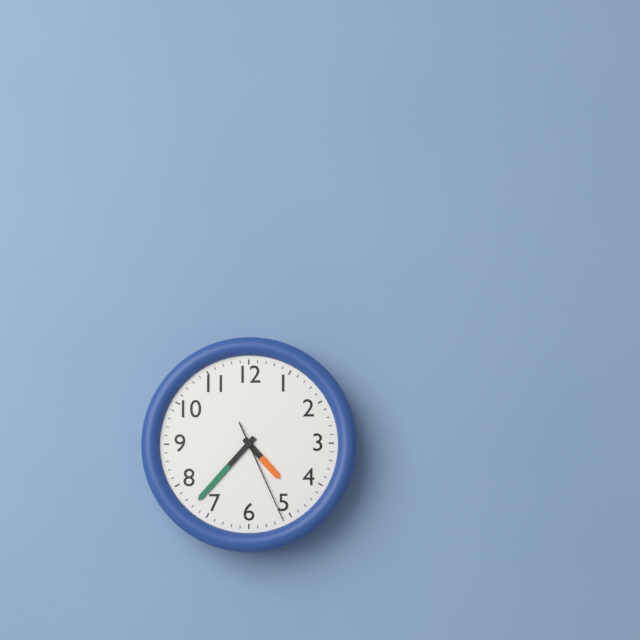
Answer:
4,37,26
